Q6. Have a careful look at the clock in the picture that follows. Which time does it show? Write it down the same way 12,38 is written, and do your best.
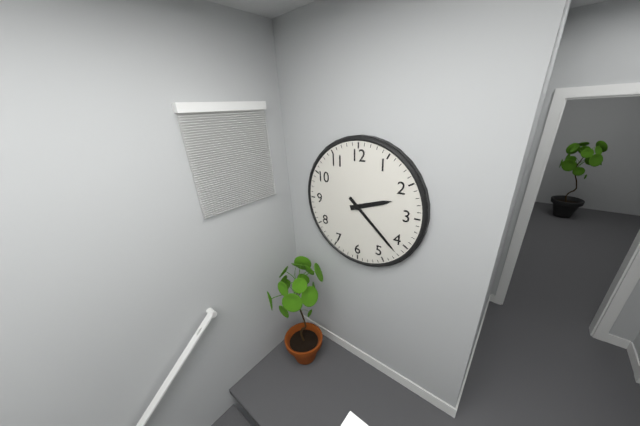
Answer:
2,22
